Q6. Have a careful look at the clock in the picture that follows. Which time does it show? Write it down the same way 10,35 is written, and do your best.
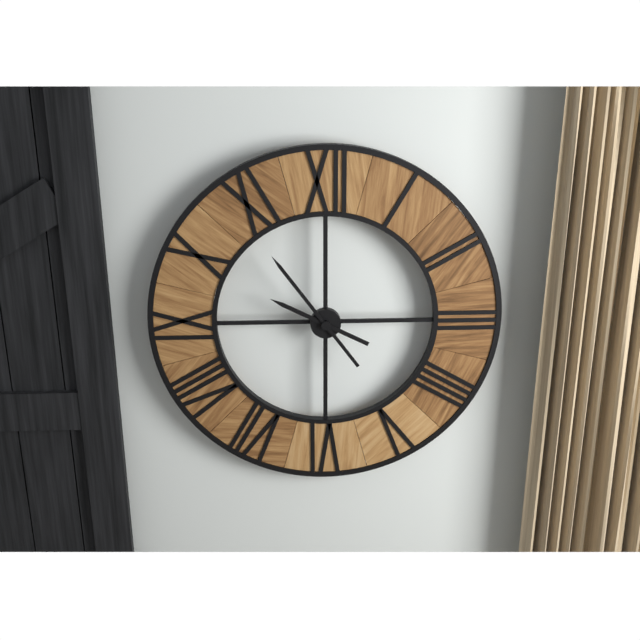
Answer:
9,54
